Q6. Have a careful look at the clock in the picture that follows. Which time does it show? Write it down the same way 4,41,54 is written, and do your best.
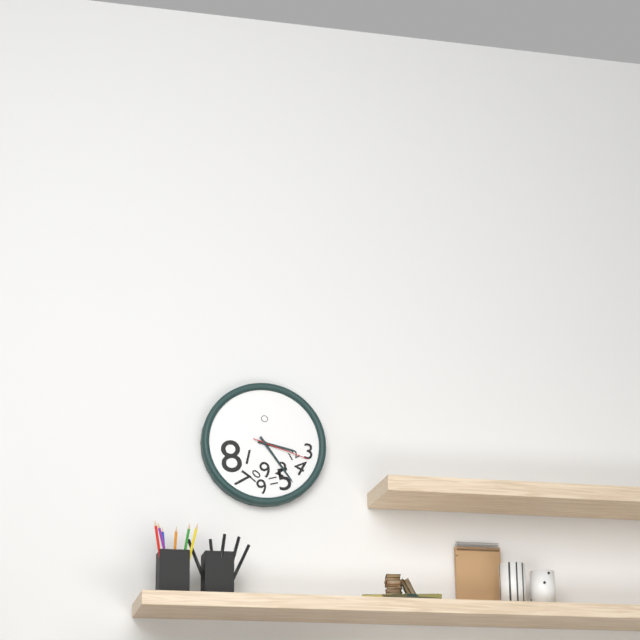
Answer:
3,24,18
